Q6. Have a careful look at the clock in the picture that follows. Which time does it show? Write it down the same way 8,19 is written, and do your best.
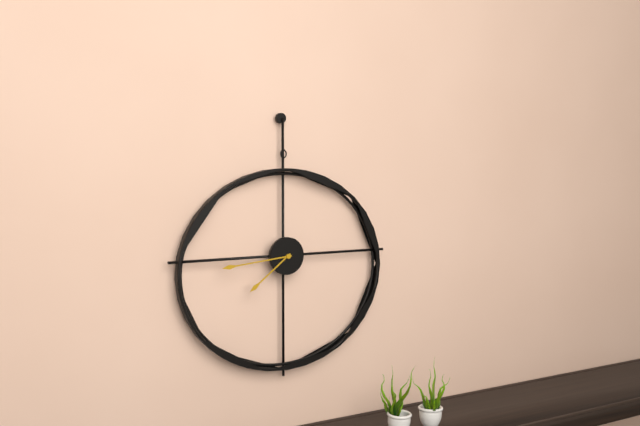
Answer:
7,44
